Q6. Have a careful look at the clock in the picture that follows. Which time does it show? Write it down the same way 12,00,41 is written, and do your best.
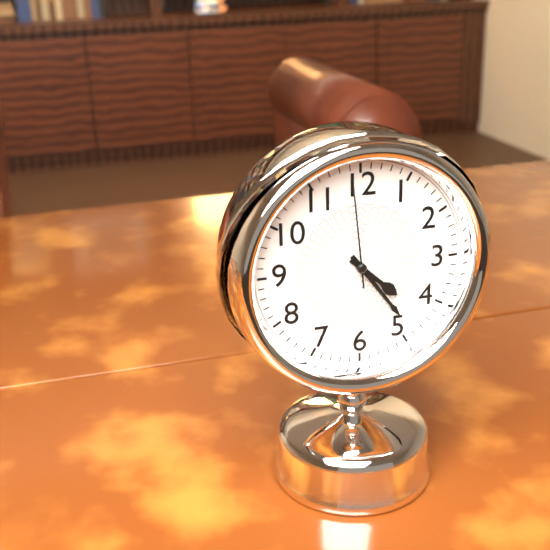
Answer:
4,24,59
